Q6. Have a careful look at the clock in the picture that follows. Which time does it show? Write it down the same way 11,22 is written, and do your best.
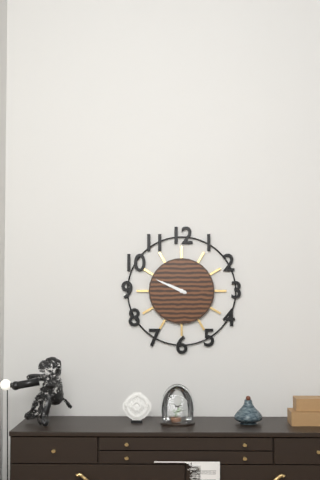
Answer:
9,49
